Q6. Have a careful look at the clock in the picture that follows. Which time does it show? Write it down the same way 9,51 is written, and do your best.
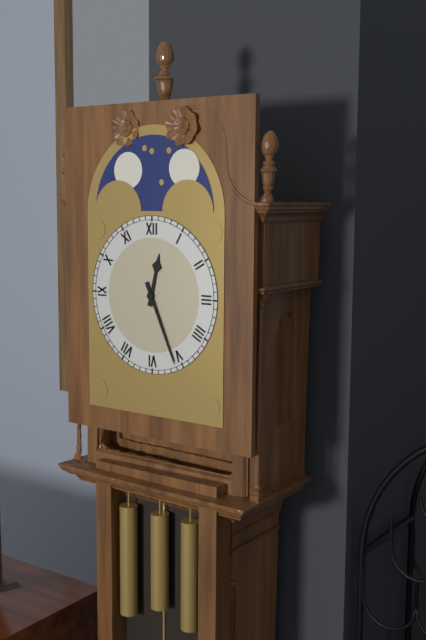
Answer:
12,26
